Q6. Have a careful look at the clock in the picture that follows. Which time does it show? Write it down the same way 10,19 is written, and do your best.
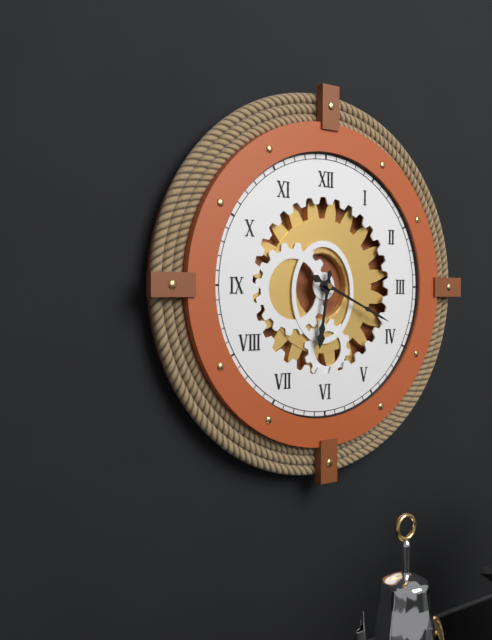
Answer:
6,19
